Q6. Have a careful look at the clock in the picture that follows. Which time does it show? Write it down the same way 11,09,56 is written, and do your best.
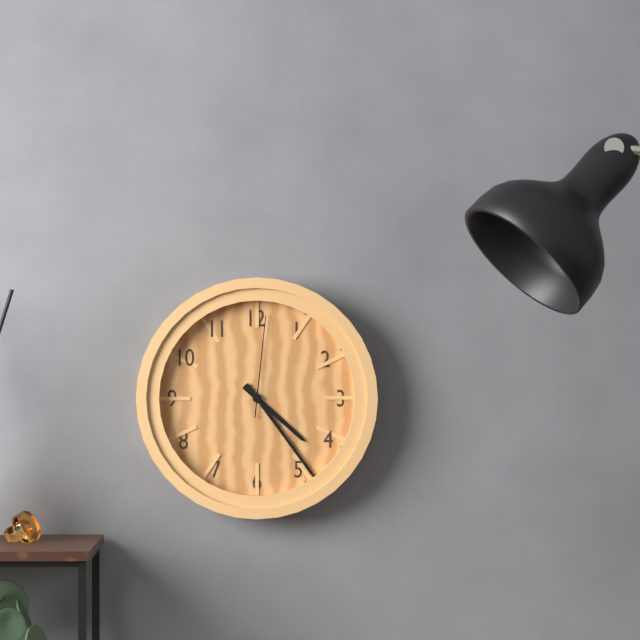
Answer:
4,24,01
